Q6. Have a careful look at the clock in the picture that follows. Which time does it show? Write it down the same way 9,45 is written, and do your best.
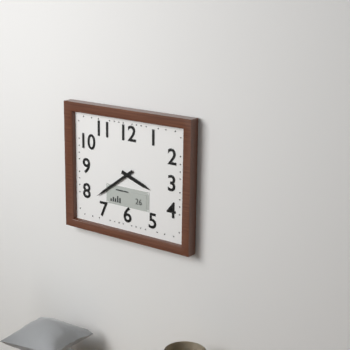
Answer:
3,39
